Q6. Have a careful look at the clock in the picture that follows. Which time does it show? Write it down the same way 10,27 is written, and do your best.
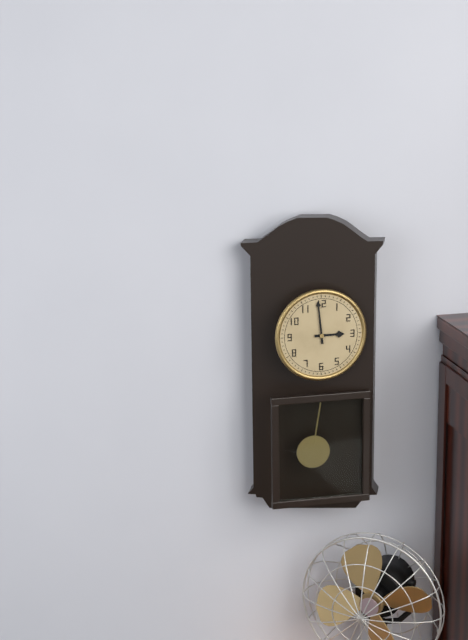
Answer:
2,59
